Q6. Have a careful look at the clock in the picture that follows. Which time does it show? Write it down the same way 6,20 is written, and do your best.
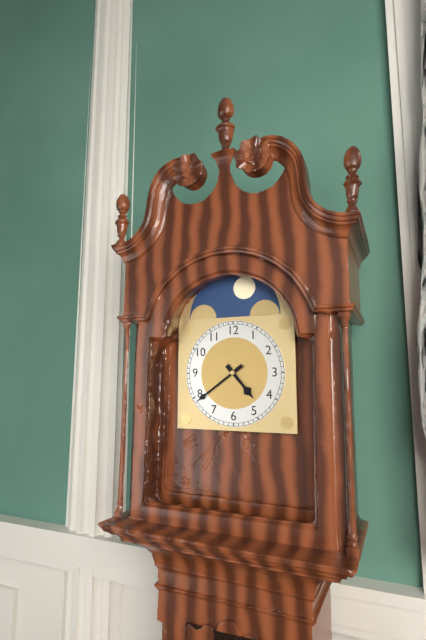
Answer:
4,39
